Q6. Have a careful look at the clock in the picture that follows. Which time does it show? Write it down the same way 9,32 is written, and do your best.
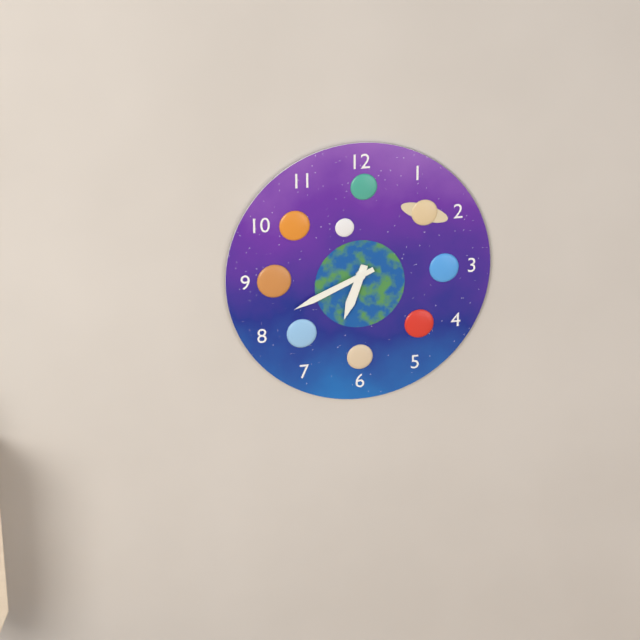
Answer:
6,41
